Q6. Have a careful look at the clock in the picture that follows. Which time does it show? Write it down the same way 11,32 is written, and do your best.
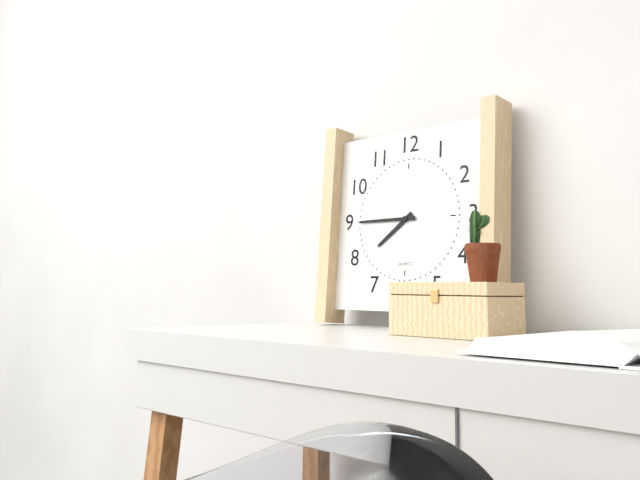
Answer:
7,45
